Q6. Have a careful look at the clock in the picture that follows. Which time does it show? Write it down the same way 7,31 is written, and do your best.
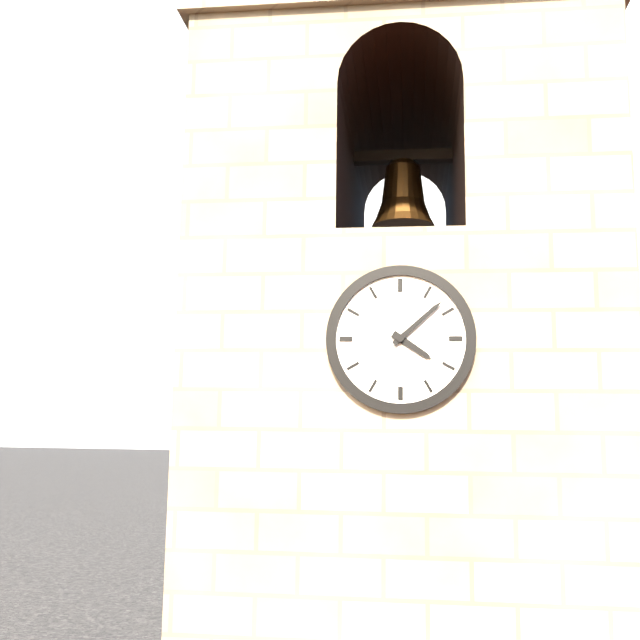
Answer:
4,08
